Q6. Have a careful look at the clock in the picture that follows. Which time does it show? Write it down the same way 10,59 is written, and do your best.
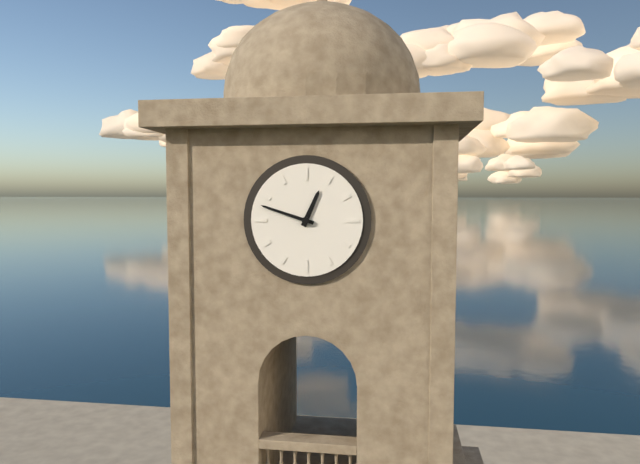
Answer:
12,48
